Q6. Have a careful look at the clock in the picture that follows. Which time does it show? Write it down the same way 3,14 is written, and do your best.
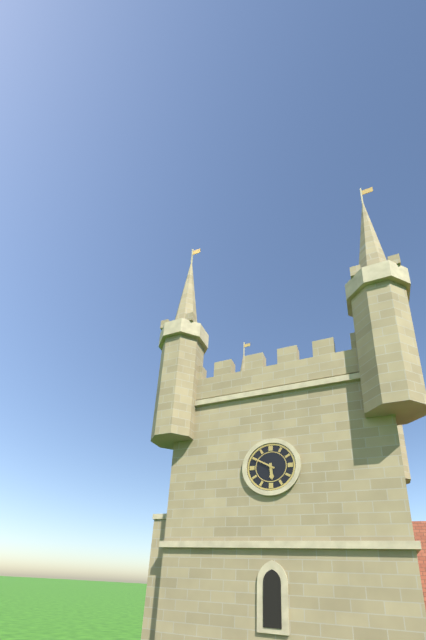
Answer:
5,50
